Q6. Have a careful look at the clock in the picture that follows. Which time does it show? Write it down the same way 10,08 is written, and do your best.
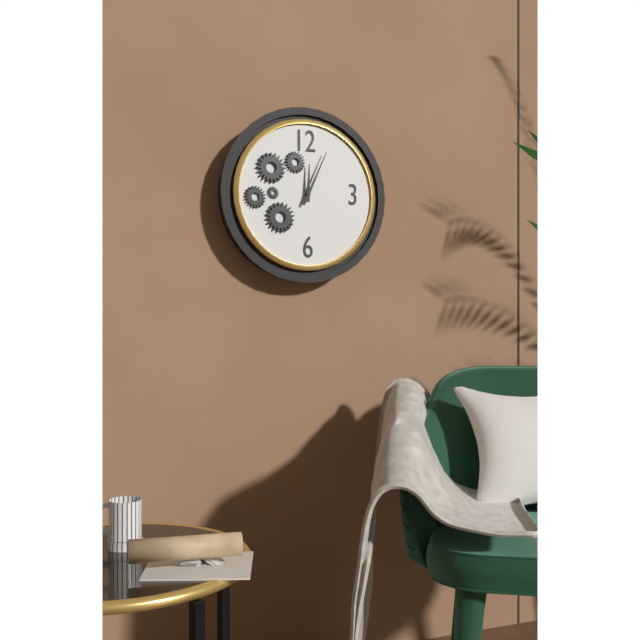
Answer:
12,04
